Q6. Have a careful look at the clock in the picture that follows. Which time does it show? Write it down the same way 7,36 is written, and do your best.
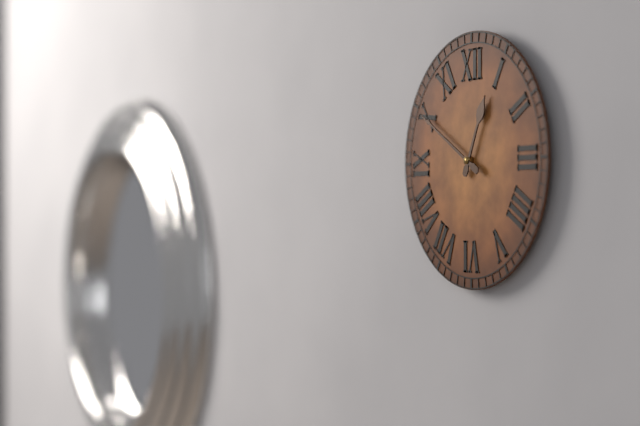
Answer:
12,50
